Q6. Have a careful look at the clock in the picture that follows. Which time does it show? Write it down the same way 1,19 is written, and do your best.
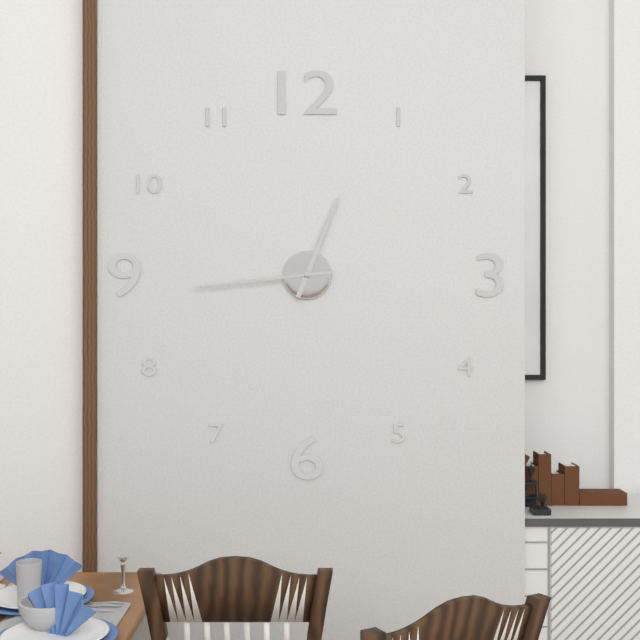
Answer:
12,44
